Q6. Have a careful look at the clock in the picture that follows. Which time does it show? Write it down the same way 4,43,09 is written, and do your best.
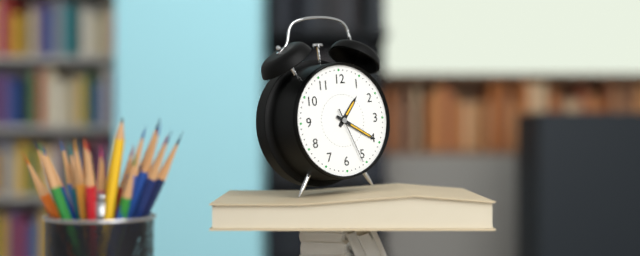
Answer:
1,20,26
